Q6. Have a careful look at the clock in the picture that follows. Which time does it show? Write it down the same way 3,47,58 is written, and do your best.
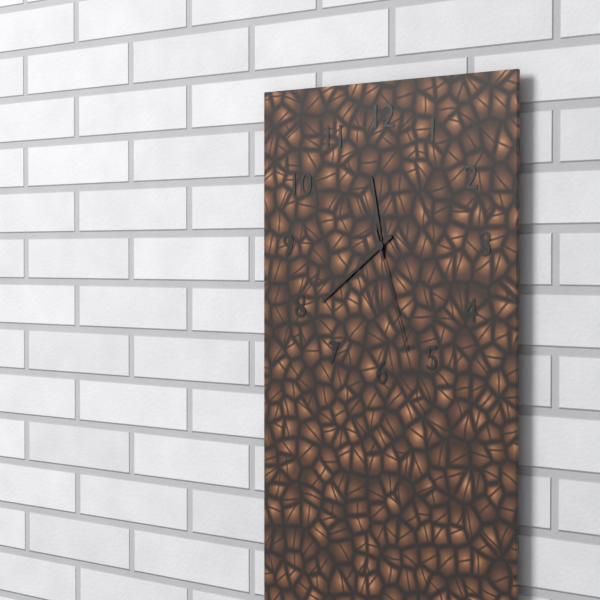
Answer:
11,39,27
